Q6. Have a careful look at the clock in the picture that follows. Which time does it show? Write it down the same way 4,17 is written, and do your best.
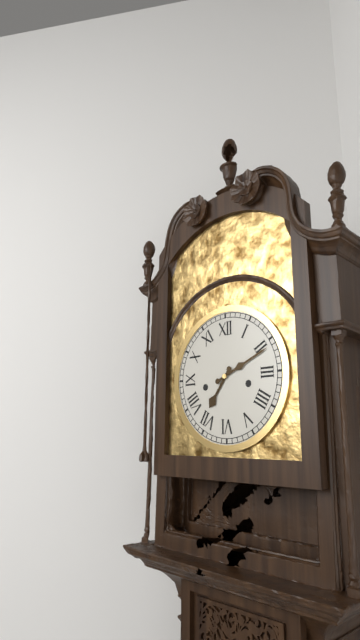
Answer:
7,11
